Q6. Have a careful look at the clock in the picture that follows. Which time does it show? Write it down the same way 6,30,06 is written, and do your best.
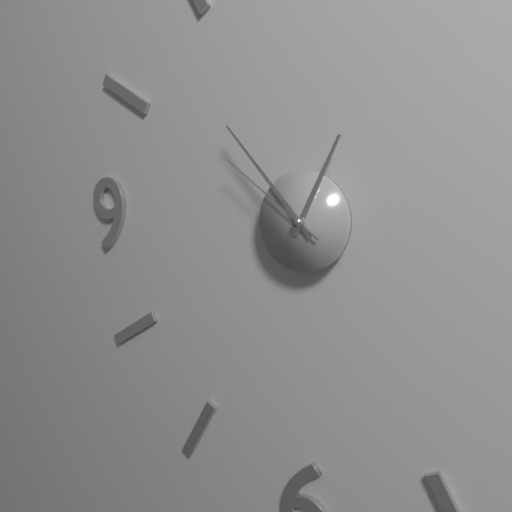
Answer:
12,53,51
